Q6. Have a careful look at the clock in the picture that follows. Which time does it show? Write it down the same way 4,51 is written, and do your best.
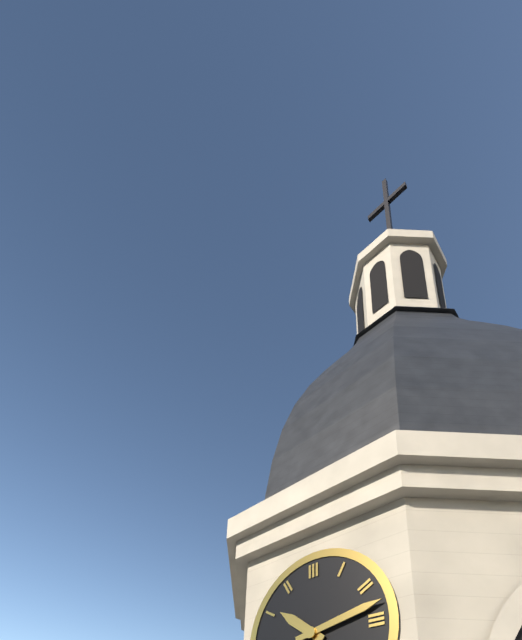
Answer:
10,13
